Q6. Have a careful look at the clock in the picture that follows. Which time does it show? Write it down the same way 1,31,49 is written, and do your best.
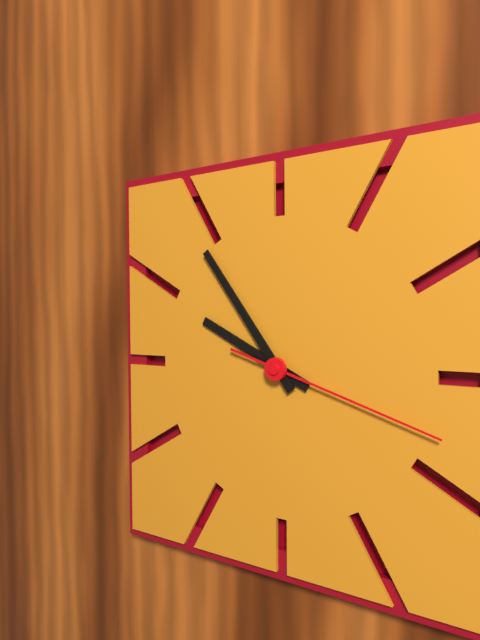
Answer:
9,54,18
